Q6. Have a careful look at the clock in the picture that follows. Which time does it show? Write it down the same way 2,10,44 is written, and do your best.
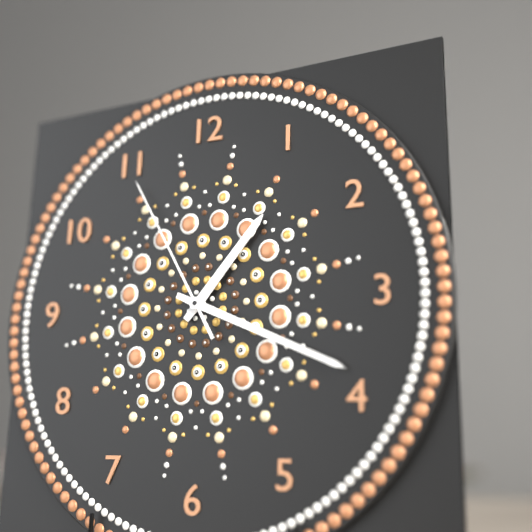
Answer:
1,19,55
